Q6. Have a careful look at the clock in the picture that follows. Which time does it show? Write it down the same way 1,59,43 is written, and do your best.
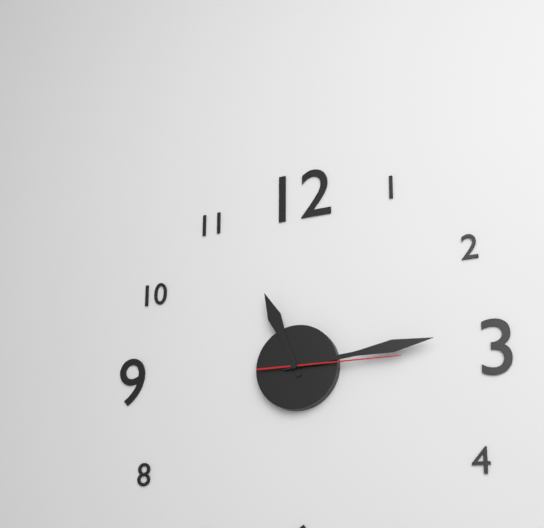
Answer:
11,14,15
